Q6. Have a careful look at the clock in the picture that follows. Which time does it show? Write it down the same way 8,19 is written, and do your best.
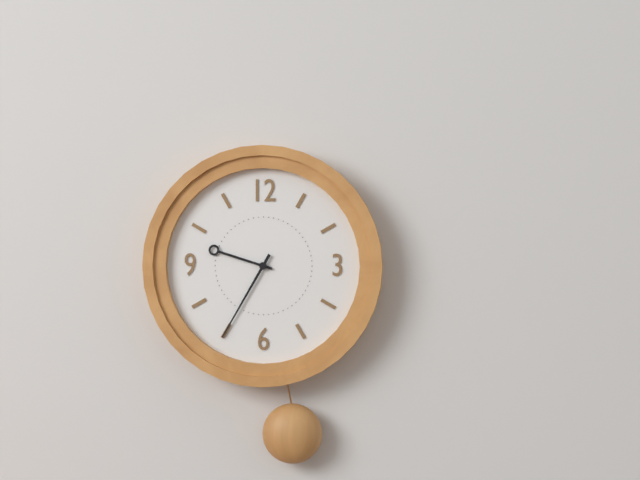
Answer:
9,35
